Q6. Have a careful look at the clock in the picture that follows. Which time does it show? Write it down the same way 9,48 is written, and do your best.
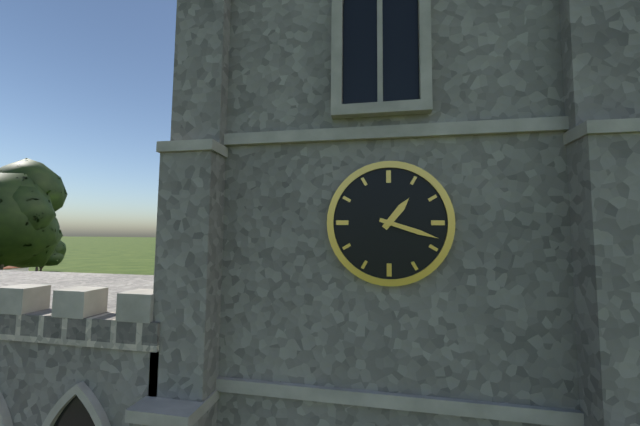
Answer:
1,18
